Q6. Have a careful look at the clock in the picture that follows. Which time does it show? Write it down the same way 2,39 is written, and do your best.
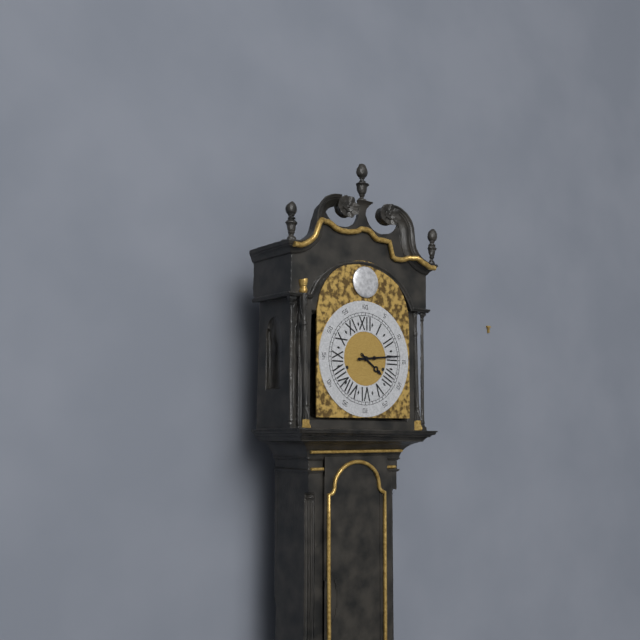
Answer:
4,14
